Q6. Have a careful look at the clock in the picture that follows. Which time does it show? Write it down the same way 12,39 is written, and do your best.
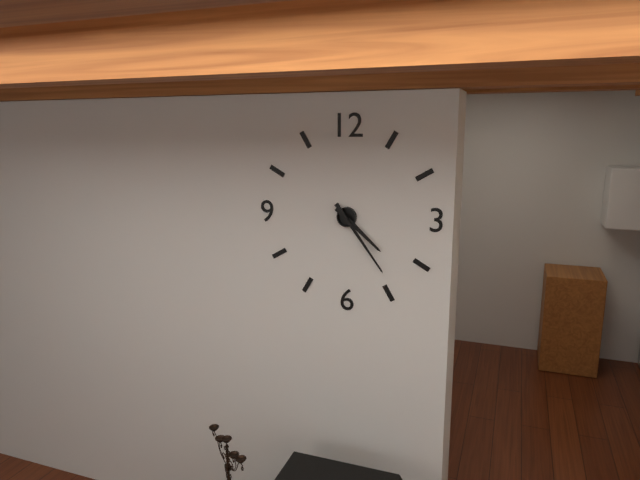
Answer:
4,24
